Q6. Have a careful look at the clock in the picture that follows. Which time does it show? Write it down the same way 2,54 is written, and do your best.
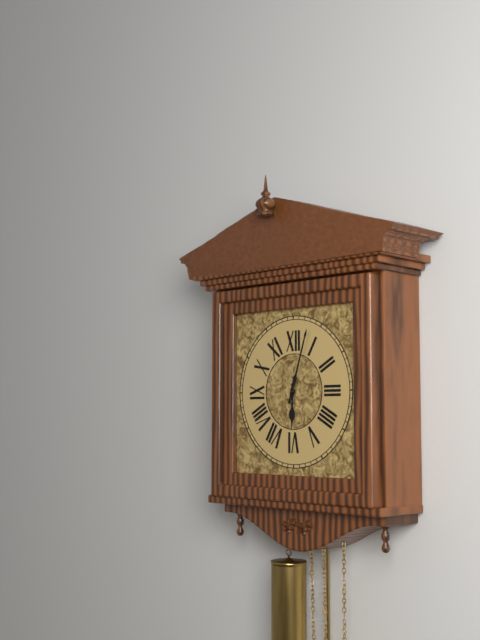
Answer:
6,03
